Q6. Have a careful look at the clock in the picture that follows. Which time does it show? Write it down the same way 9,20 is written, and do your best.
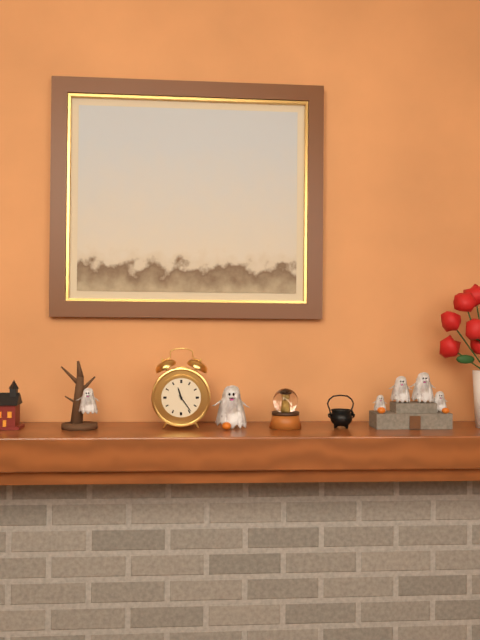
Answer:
11,24
